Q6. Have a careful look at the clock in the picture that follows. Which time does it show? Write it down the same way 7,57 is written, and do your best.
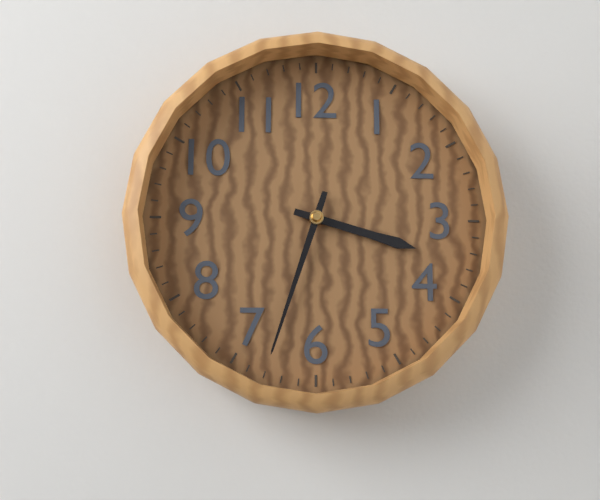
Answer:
3,33
